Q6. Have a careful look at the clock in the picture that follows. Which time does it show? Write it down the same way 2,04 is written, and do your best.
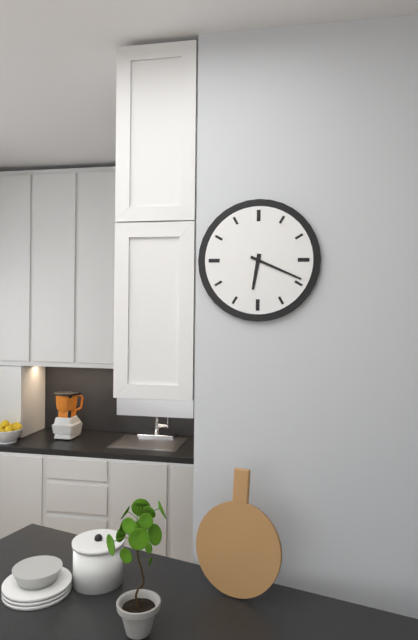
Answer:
6,19
